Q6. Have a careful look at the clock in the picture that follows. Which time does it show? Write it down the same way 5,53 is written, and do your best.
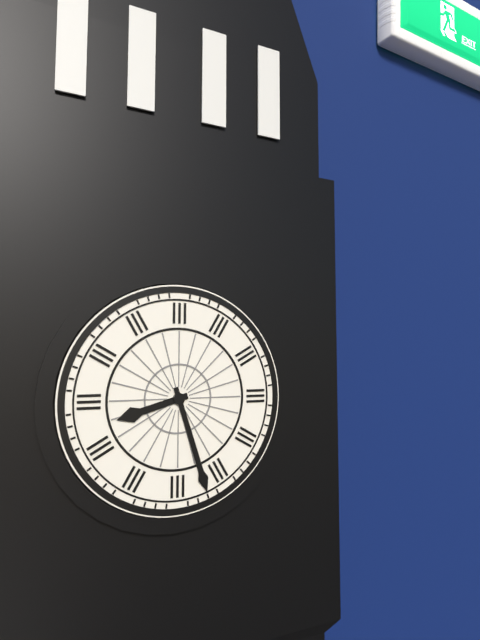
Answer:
8,27
